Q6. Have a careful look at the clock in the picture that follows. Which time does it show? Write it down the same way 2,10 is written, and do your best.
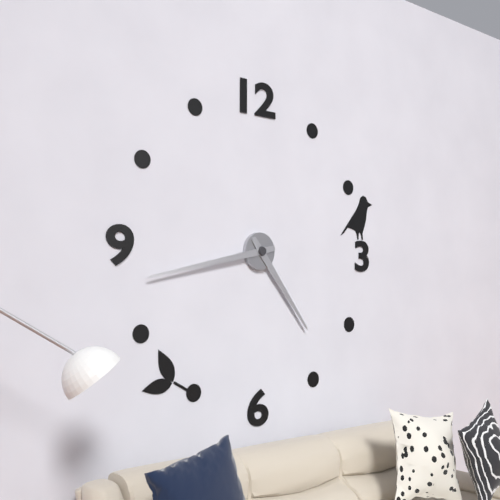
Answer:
4,43
